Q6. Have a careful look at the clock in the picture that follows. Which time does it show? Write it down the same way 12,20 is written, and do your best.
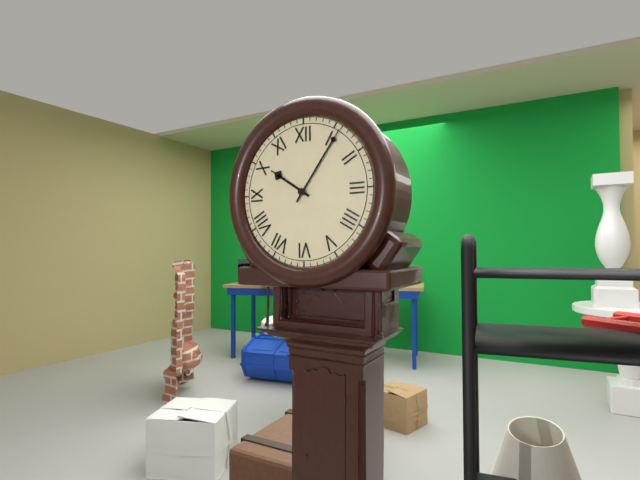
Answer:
10,06
